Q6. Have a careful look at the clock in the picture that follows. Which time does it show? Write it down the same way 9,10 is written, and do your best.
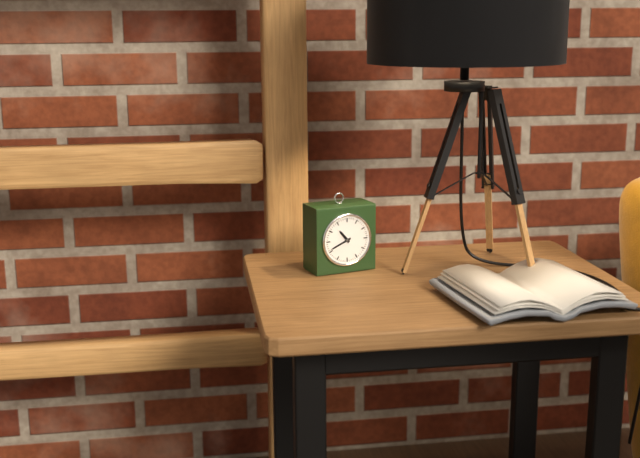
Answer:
10,41
